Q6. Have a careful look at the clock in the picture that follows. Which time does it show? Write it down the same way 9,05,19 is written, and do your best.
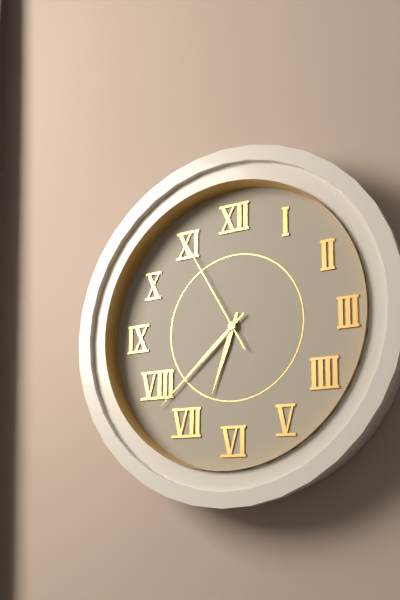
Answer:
6,38,55
